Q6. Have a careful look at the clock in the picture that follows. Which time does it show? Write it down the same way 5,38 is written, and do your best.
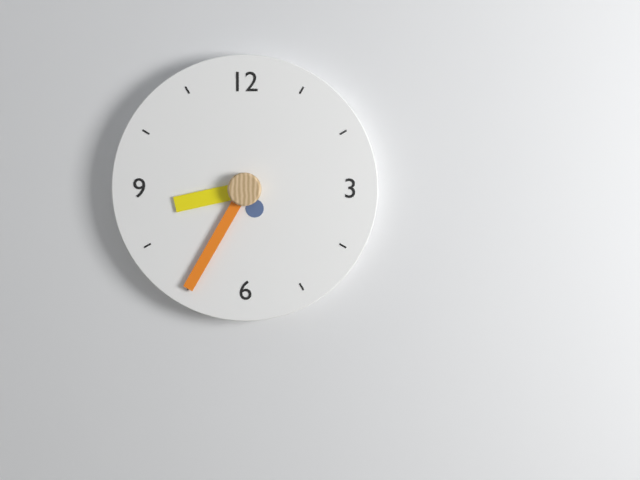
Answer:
8,35
